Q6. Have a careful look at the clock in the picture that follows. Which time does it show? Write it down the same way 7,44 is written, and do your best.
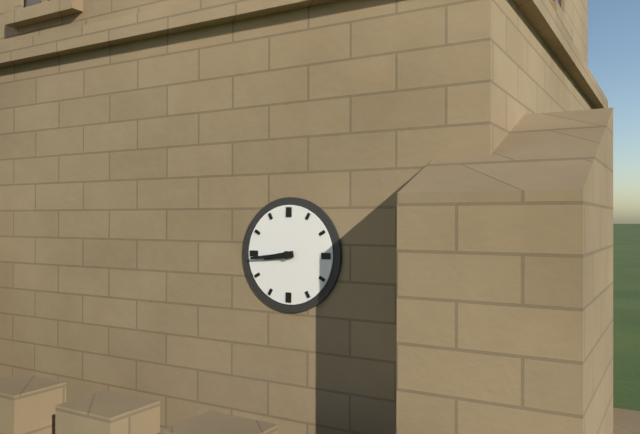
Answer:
8,44
